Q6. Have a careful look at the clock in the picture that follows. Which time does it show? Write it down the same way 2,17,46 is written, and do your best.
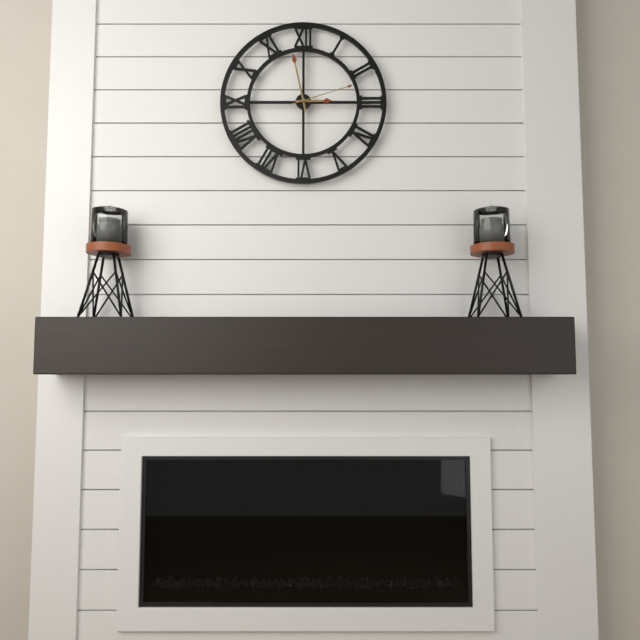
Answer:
2,58,12
